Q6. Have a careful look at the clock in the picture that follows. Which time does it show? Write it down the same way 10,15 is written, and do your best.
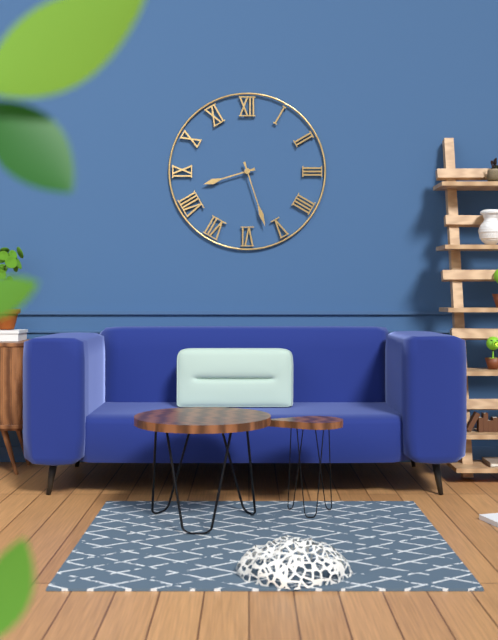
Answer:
8,27
